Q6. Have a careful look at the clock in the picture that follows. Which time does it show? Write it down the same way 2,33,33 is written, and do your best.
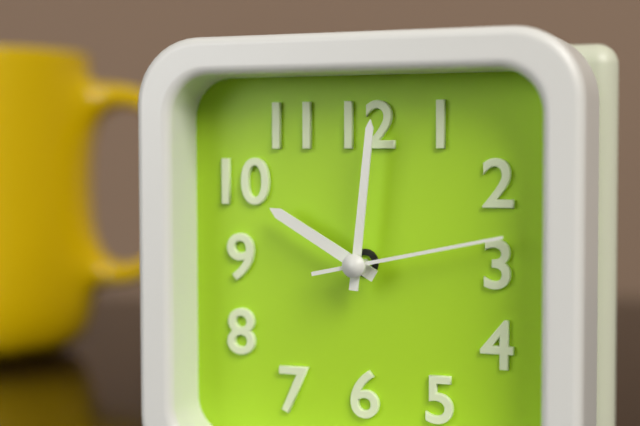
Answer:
10,01,13
